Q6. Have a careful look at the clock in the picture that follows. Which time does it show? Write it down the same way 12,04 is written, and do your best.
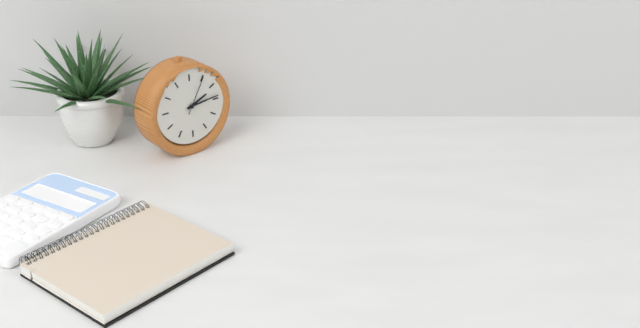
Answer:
2,14
